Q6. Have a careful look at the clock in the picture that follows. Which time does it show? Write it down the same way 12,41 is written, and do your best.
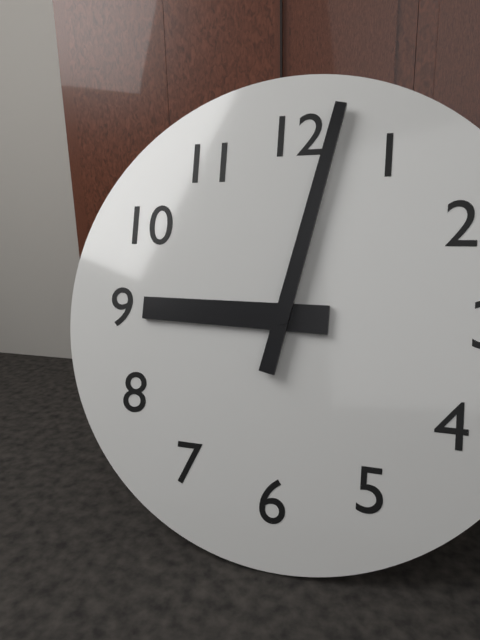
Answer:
9,02
